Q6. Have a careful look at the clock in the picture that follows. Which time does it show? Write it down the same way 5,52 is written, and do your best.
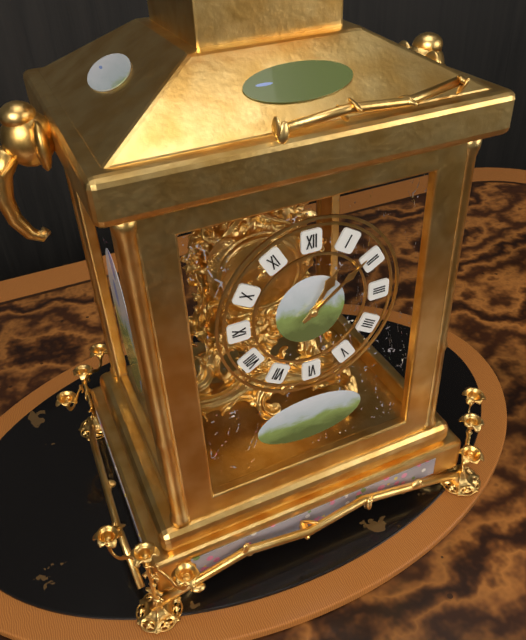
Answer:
1,09
